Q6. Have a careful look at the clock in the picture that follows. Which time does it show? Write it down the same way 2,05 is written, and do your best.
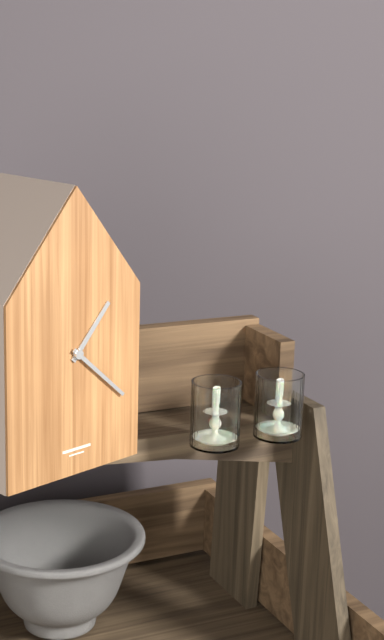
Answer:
1,22
